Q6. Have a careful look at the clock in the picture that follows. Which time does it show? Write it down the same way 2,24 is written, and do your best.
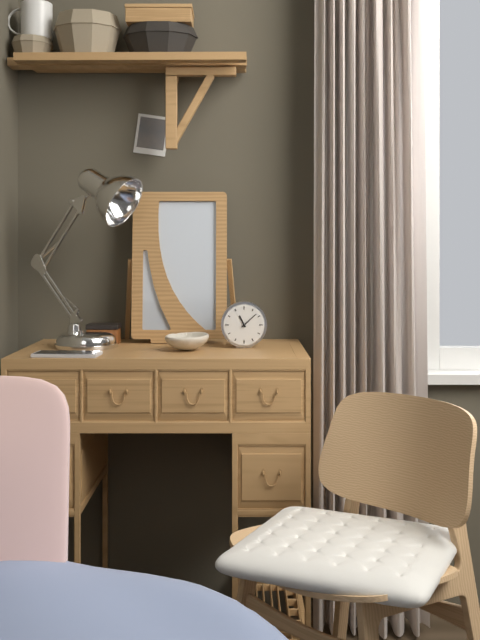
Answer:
11,08
